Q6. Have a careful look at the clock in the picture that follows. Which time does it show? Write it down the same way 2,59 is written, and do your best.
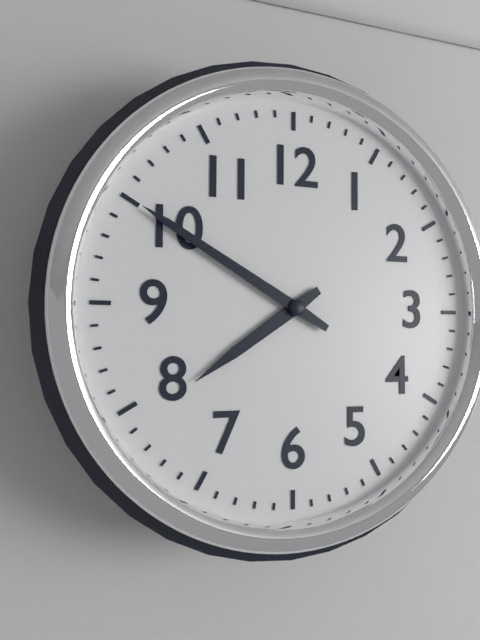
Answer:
7,50
